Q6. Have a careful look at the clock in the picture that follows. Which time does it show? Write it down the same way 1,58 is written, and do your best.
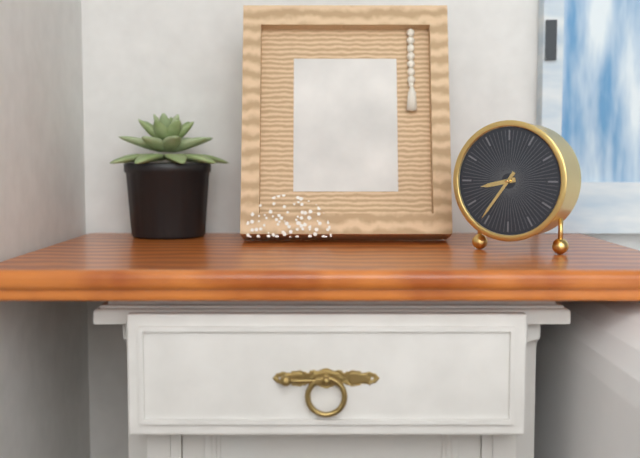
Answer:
8,36
